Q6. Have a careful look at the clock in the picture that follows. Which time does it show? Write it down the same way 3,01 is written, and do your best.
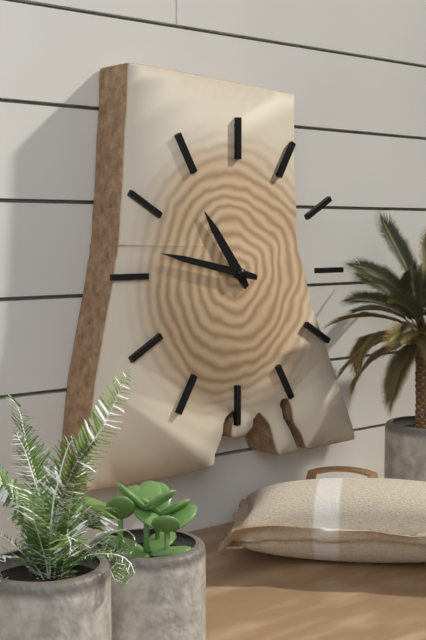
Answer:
10,47
